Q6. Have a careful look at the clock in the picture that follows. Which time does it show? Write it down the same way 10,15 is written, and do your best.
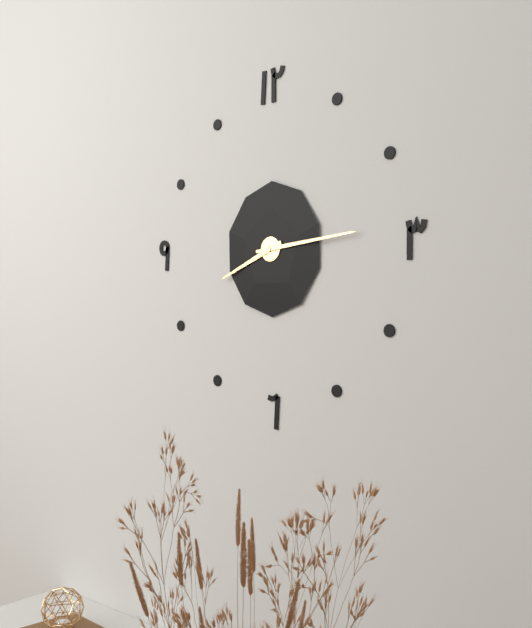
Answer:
8,14
